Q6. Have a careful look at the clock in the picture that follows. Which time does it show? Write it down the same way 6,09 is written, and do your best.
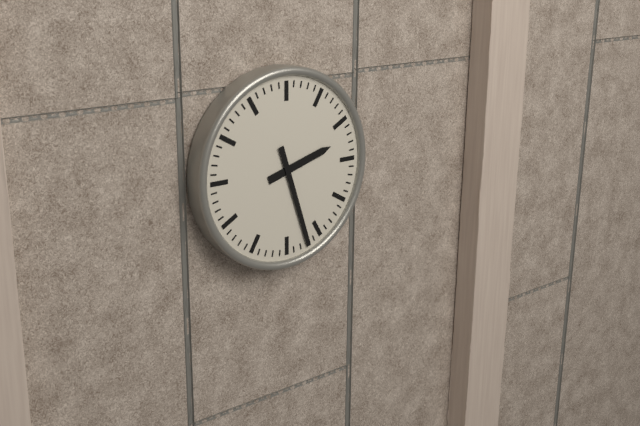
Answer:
2,27
